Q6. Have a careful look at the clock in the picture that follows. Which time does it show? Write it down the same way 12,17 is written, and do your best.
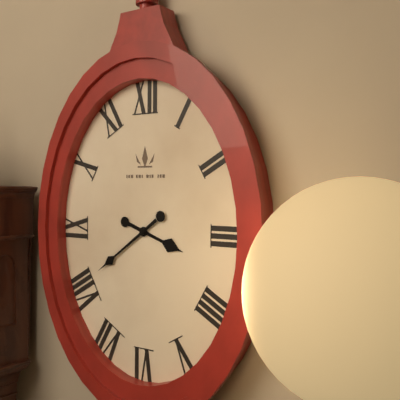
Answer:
3,39
